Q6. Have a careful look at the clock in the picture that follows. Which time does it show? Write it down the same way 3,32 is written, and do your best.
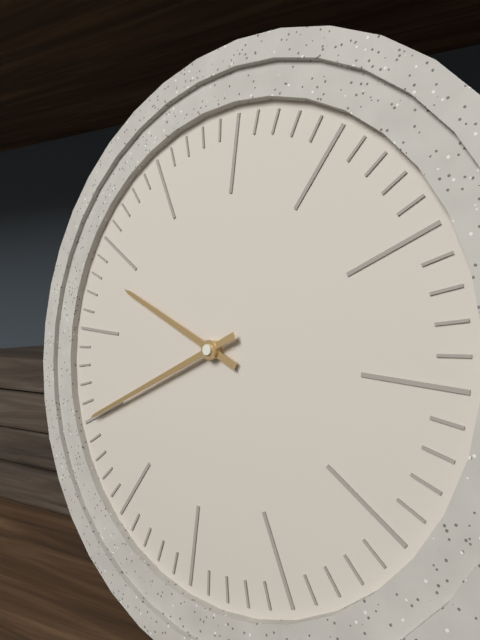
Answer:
9,40
